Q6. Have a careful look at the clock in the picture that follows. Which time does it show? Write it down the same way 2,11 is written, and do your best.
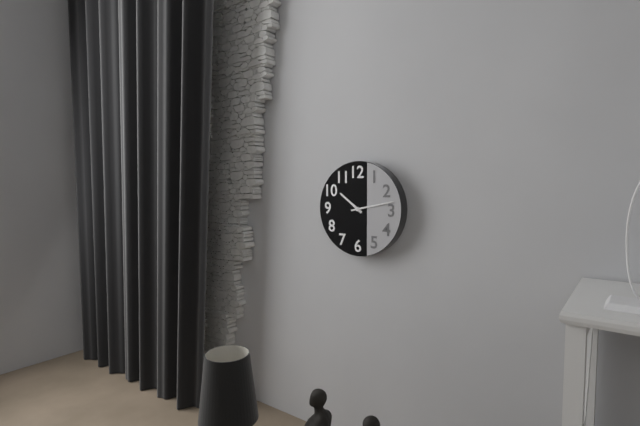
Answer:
10,13
